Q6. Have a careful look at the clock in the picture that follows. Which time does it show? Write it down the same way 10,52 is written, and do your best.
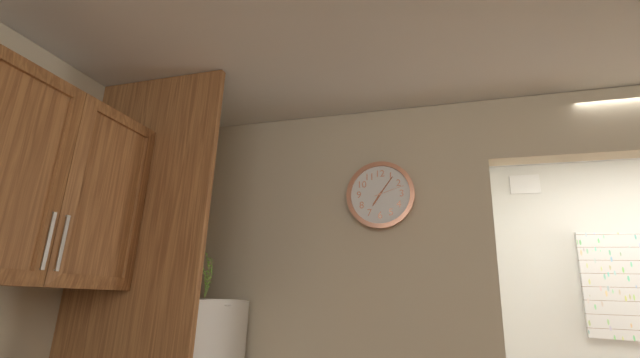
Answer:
7,06
